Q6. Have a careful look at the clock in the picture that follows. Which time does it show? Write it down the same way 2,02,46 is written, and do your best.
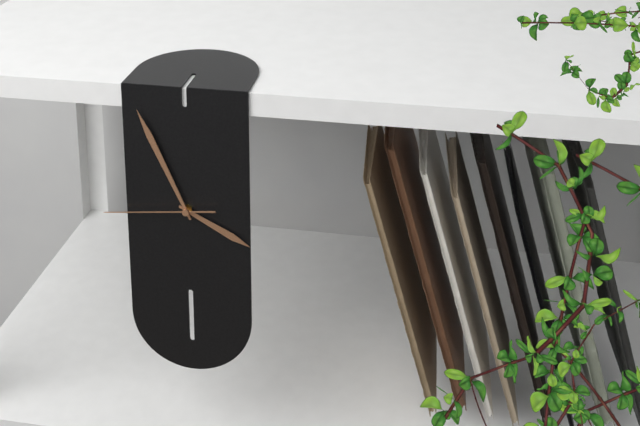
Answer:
3,56,44
